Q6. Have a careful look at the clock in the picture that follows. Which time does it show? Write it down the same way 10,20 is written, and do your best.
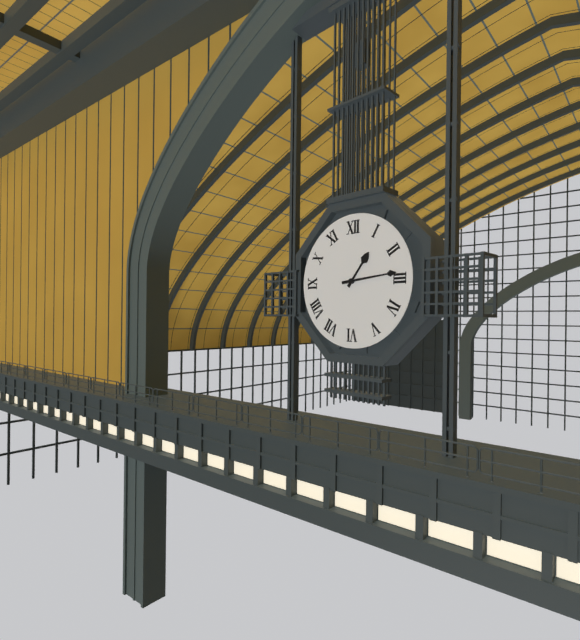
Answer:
1,14
